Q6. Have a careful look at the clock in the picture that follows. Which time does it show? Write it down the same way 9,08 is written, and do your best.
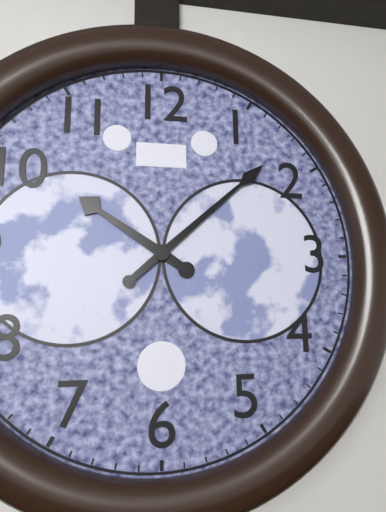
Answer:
10,08
